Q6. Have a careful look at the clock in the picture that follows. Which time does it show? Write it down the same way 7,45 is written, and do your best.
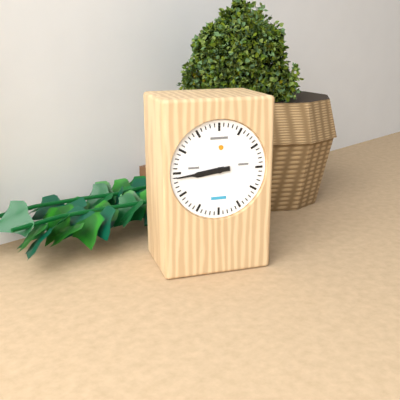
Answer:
8,44
